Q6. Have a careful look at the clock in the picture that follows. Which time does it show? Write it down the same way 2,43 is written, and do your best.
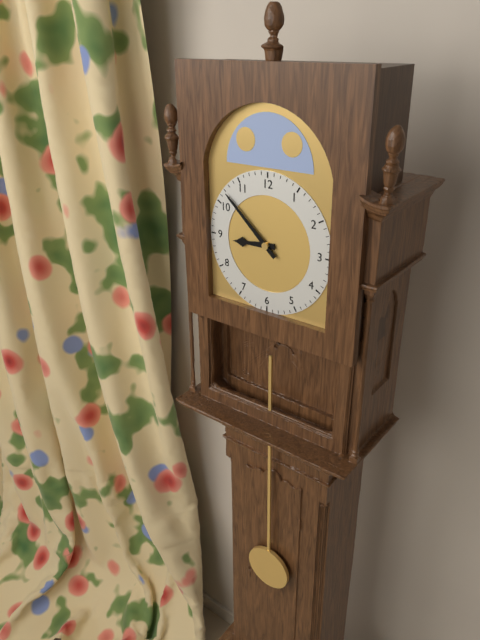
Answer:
8,52
